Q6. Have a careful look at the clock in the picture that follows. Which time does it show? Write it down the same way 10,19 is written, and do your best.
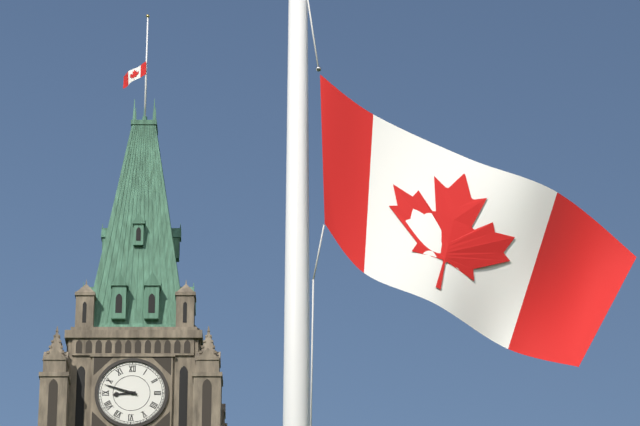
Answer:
8,48
